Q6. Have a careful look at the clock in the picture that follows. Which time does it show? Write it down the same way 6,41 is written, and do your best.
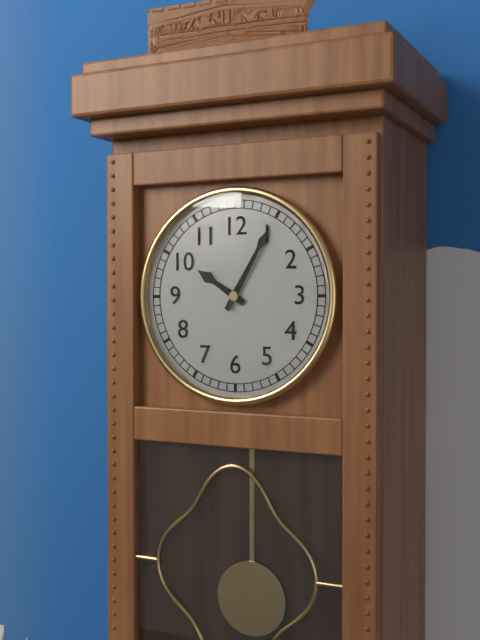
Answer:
10,05
